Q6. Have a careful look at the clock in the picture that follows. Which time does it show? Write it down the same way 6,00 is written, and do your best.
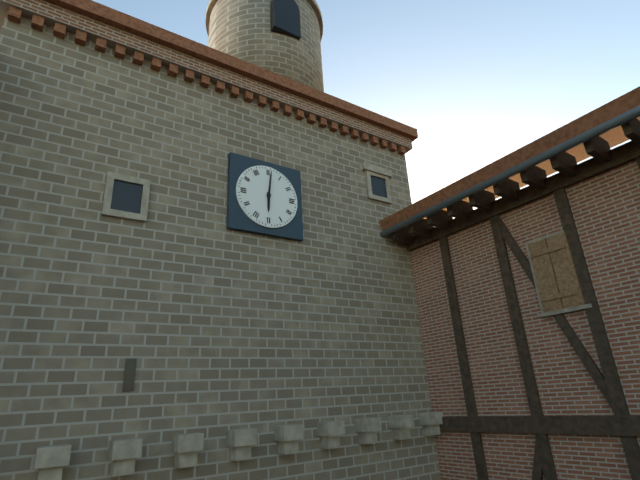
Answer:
6,01
